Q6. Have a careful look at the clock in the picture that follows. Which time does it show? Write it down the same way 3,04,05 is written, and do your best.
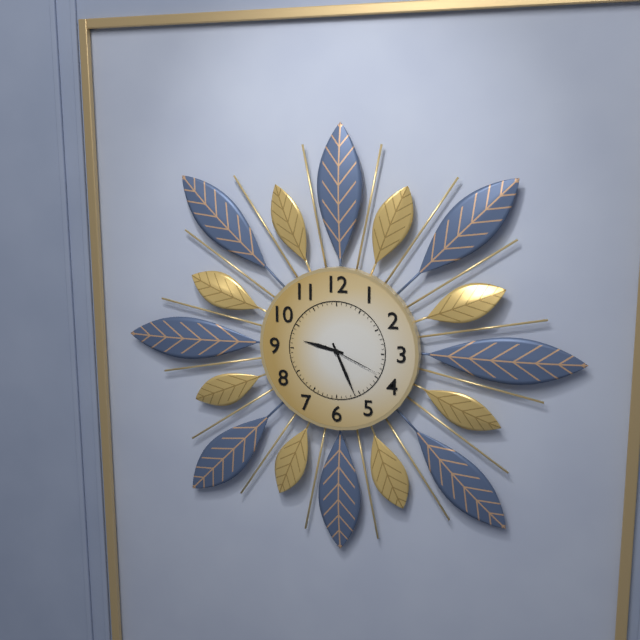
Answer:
9,26,19
